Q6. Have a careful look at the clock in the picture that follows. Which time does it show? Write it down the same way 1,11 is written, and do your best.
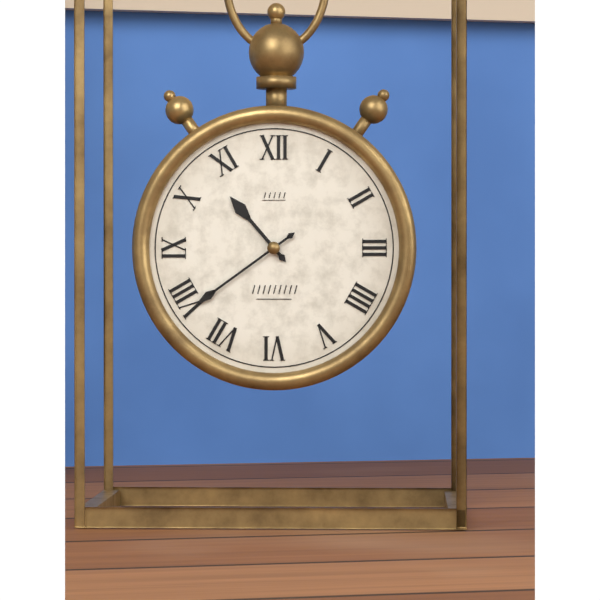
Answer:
10,39
